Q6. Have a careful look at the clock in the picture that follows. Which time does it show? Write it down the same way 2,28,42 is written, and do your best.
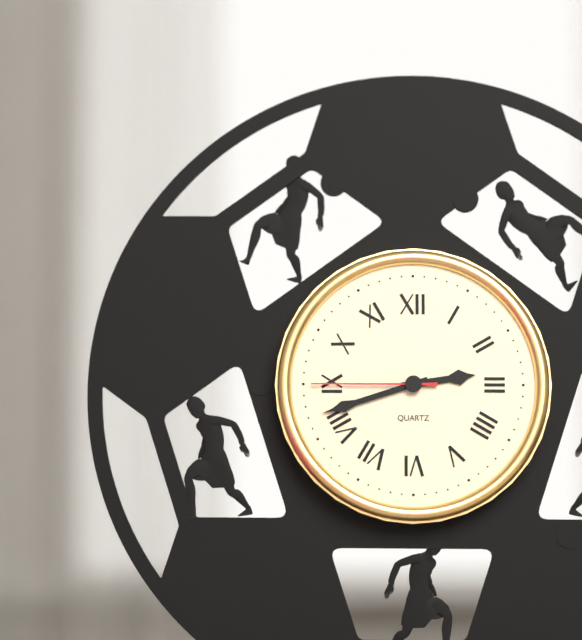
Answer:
2,42,45
